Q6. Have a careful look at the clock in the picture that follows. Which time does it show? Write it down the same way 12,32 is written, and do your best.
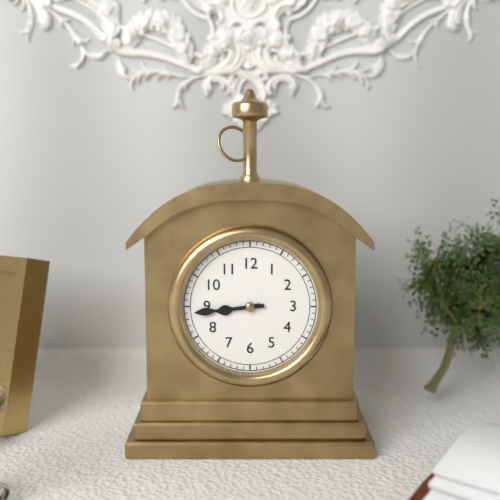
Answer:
8,44
